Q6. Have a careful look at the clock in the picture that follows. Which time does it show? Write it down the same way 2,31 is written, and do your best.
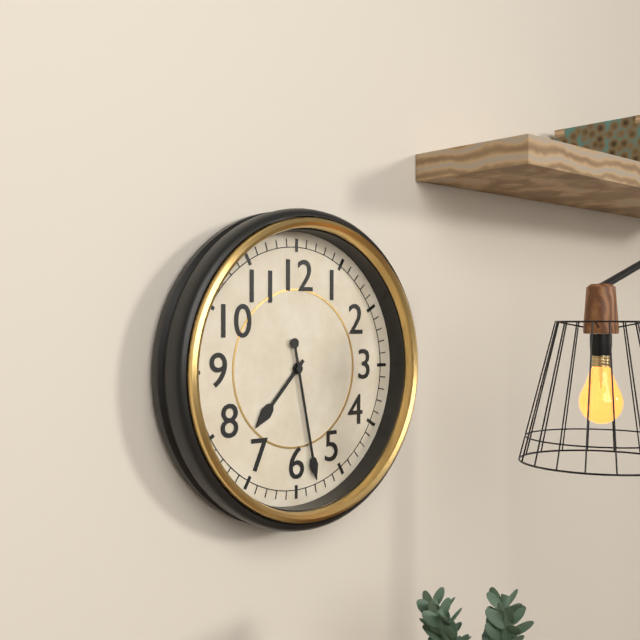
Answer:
7,28
